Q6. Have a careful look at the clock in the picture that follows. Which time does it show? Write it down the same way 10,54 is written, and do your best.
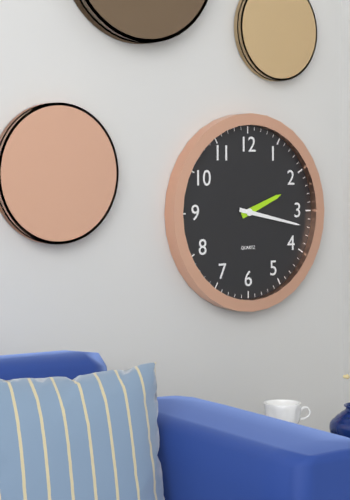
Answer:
2,17
